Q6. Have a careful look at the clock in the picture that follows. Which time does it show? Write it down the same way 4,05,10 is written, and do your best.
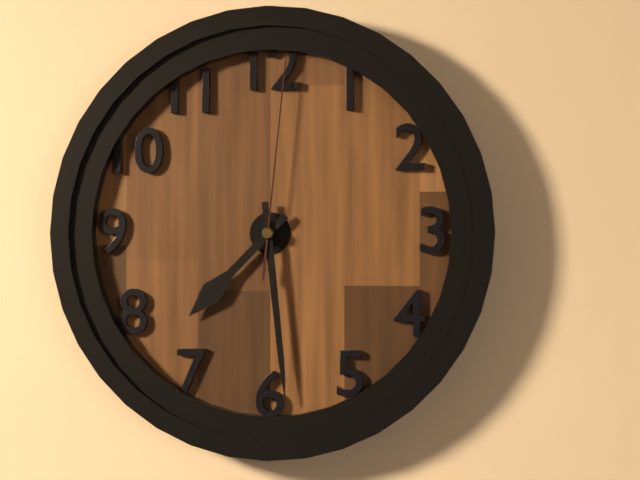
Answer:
7,29,01
